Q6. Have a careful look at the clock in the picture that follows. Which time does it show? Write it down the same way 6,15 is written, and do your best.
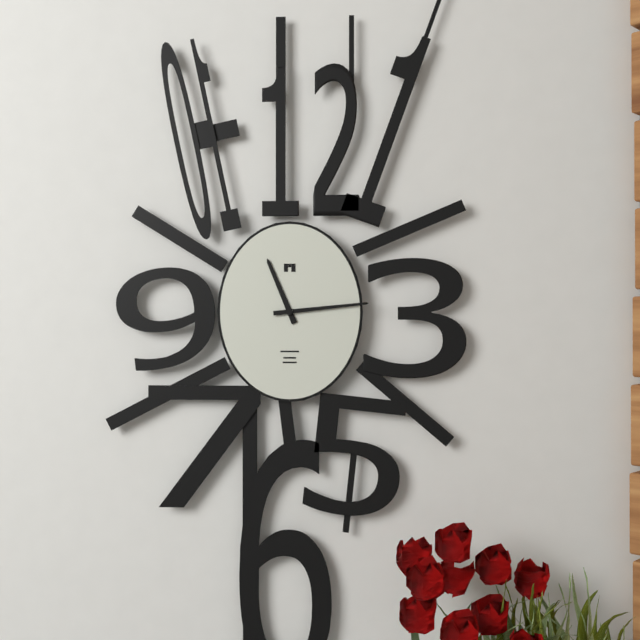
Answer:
11,14
